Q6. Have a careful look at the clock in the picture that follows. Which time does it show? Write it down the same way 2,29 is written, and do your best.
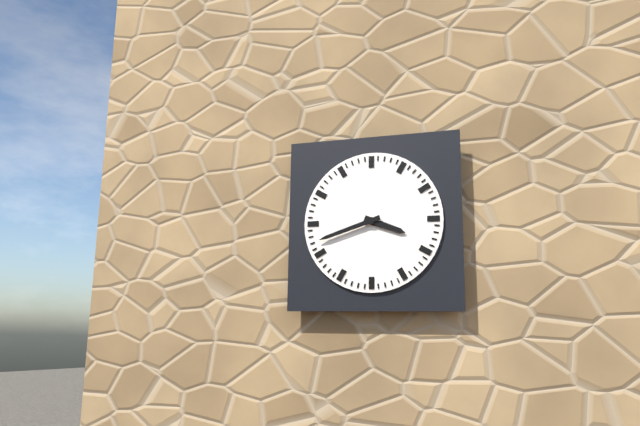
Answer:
3,42
